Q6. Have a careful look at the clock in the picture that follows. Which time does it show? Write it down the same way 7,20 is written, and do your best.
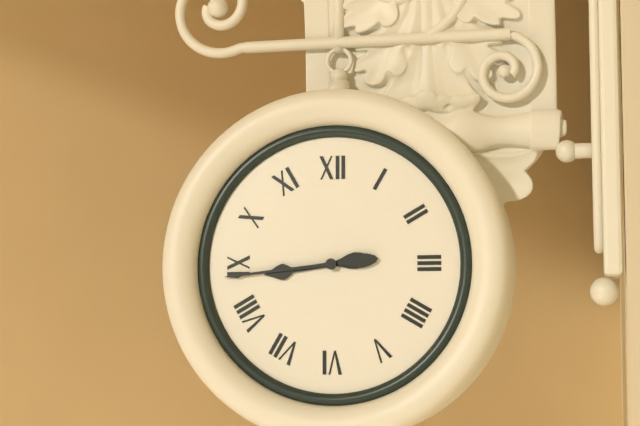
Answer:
8,44
